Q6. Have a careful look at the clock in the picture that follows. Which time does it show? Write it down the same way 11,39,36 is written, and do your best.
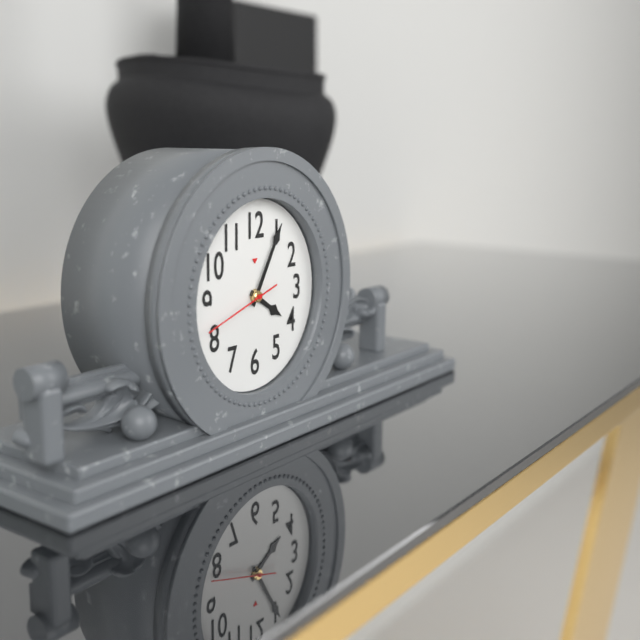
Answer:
4,05,42
